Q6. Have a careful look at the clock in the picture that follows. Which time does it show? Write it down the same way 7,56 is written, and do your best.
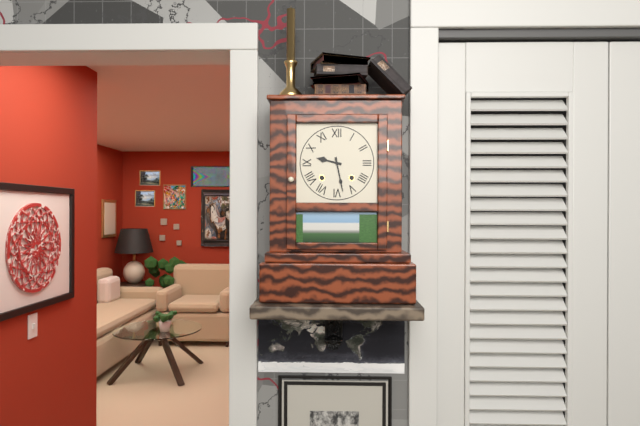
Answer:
9,28
